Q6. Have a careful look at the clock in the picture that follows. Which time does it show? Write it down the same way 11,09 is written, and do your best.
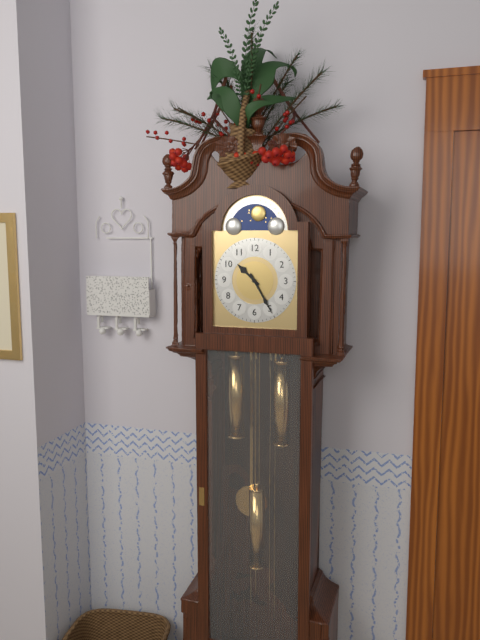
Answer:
10,25
